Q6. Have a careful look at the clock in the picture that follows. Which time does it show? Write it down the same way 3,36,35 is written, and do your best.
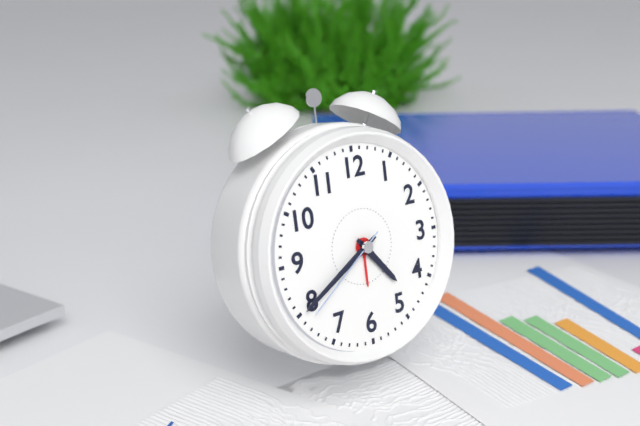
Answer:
4,40,39
